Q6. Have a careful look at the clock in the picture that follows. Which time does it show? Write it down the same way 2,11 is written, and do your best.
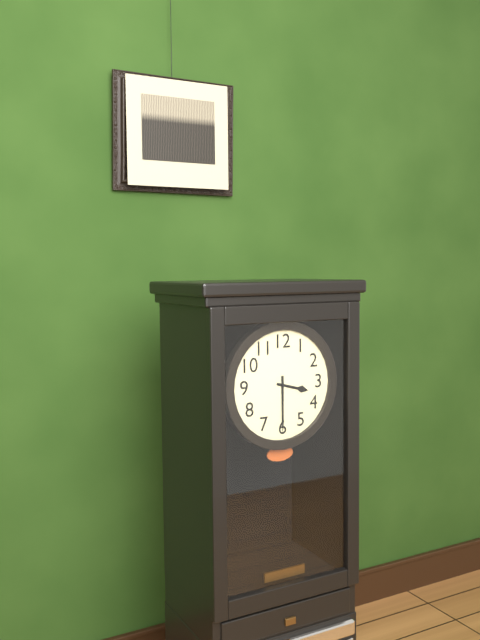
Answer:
3,30
